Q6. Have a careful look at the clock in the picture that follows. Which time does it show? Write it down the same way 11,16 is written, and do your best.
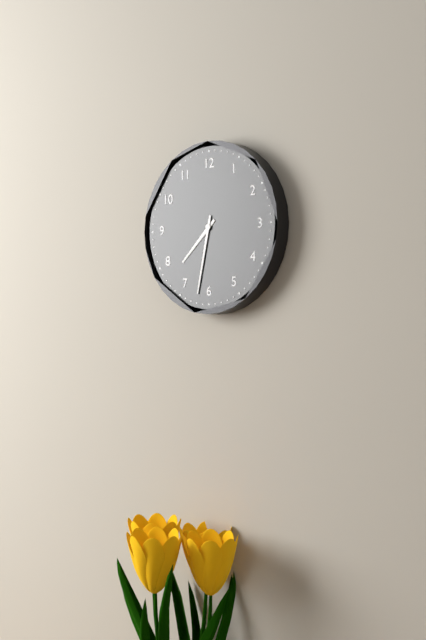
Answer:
7,32
